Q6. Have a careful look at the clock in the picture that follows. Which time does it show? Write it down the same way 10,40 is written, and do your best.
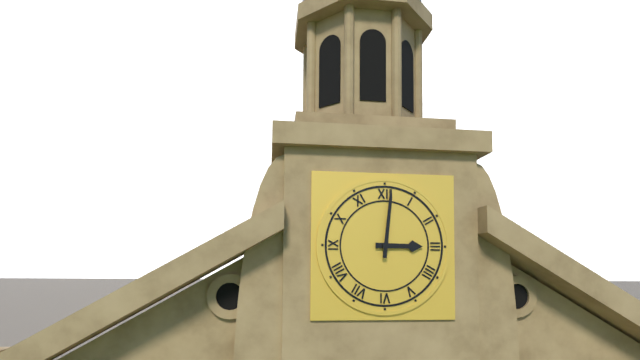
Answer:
3,01
